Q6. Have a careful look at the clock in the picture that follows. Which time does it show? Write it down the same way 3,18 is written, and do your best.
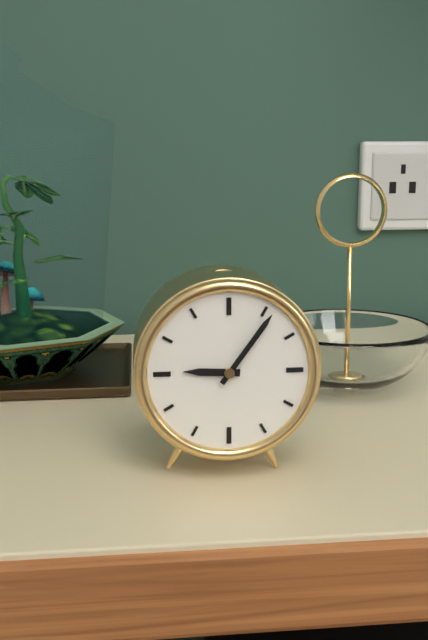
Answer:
9,06
